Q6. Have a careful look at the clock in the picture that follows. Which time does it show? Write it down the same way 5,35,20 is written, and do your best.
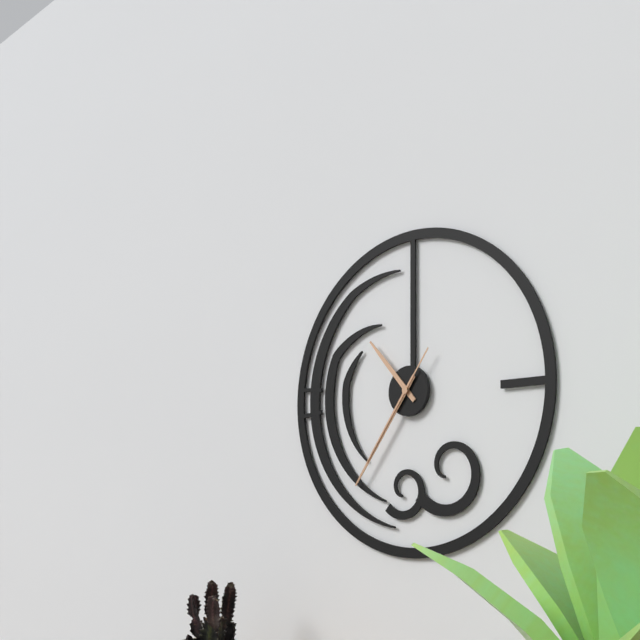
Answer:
10,36,36
